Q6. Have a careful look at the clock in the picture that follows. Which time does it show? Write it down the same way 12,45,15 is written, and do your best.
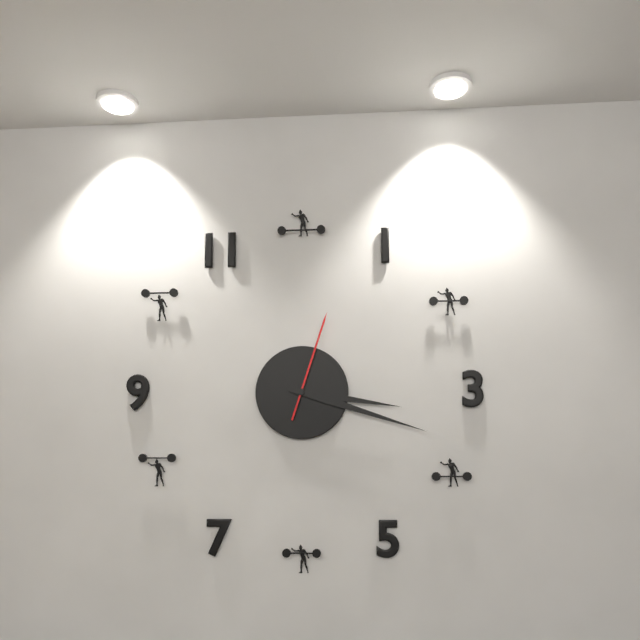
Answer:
3,18,03
